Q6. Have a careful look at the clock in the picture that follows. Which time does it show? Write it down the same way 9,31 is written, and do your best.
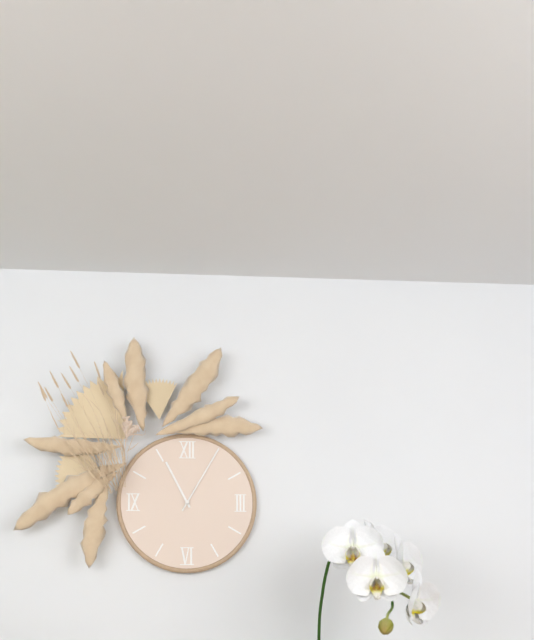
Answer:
11,05
